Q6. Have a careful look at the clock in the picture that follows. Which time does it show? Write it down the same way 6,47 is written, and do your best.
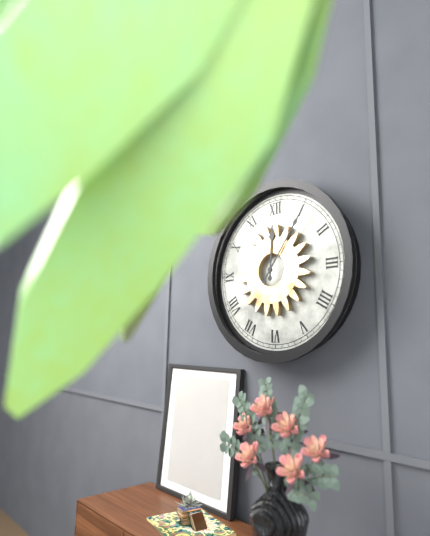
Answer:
12,06
